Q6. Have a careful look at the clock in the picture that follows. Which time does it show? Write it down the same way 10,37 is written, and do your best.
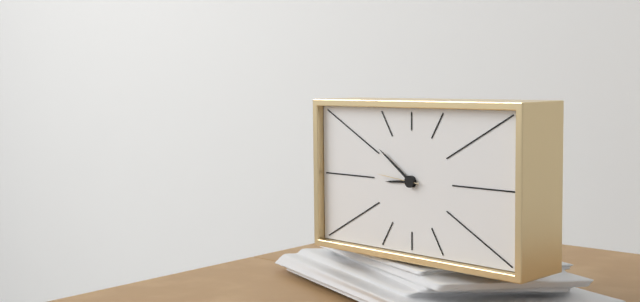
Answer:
8,51
